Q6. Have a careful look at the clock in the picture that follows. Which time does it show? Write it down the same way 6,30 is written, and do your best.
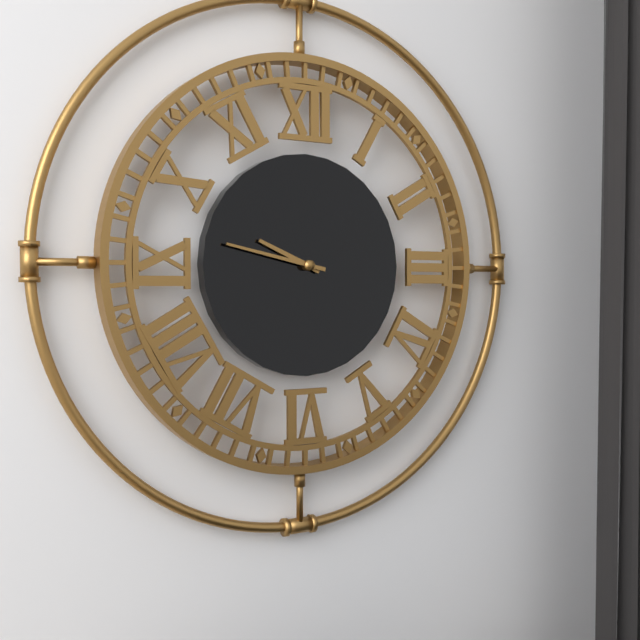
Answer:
9,47
